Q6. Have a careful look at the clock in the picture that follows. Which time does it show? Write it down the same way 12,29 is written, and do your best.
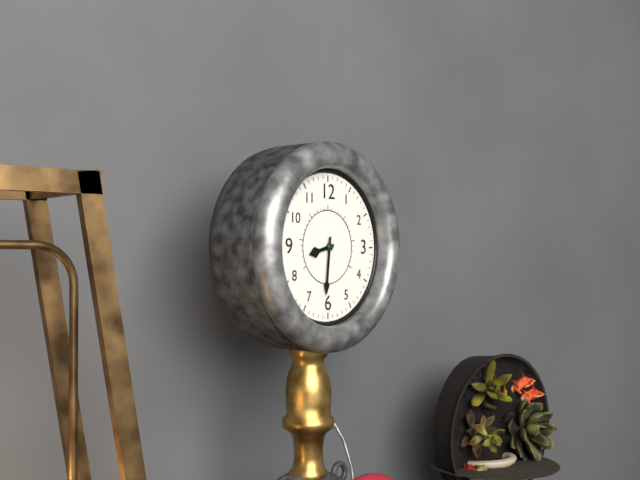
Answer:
8,31
